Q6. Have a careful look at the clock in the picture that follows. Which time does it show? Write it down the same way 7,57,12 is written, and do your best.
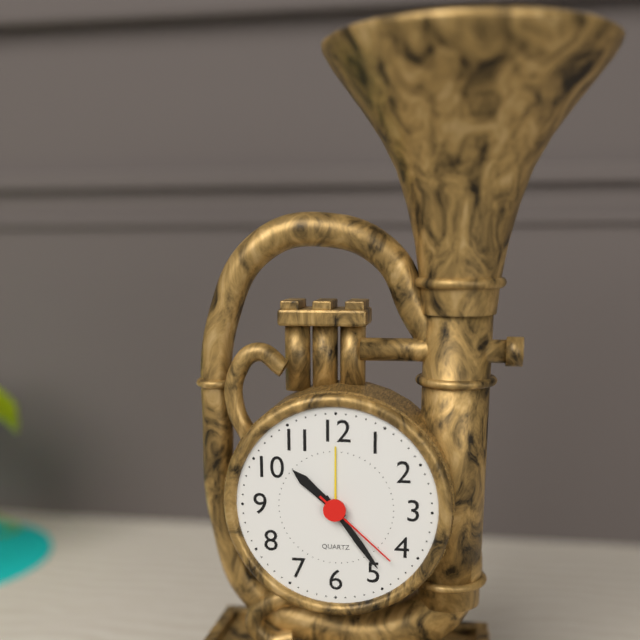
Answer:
10,24,22
